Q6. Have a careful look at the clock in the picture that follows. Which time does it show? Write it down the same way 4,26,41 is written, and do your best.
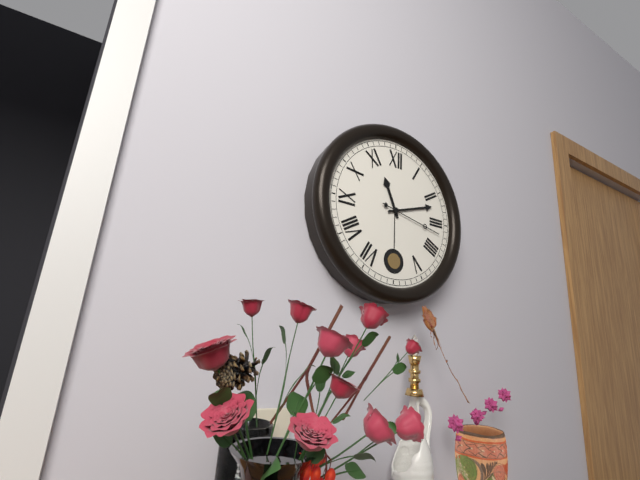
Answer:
11,12,17
